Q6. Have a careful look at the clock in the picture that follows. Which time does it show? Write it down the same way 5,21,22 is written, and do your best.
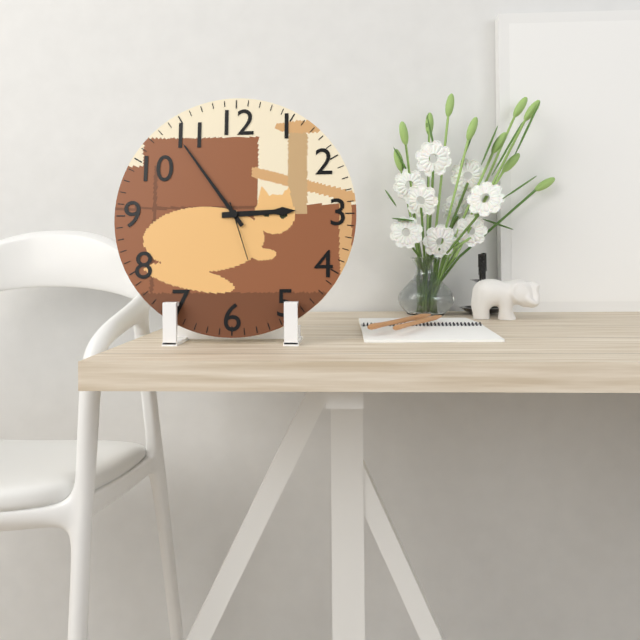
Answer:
2,54,27
